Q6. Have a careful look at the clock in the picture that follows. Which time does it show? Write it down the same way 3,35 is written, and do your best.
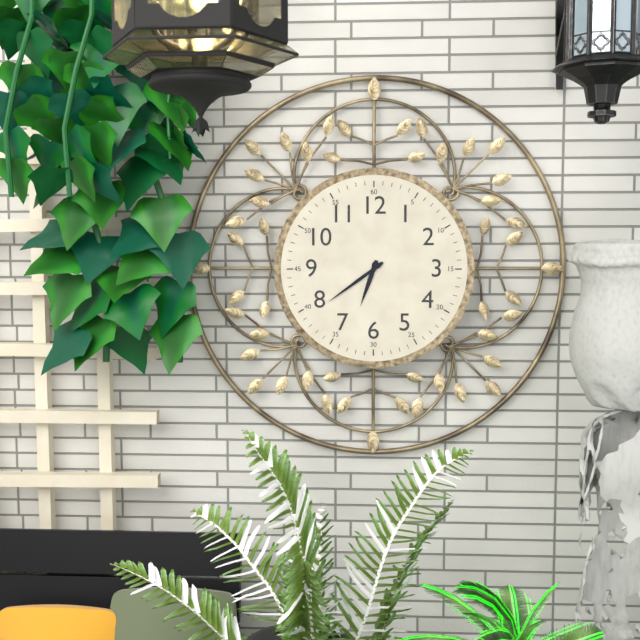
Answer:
6,39
